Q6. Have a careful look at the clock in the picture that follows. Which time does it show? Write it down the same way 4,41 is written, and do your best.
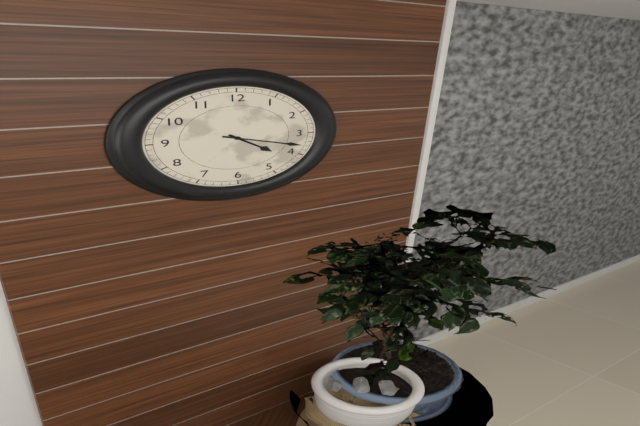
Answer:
4,18
